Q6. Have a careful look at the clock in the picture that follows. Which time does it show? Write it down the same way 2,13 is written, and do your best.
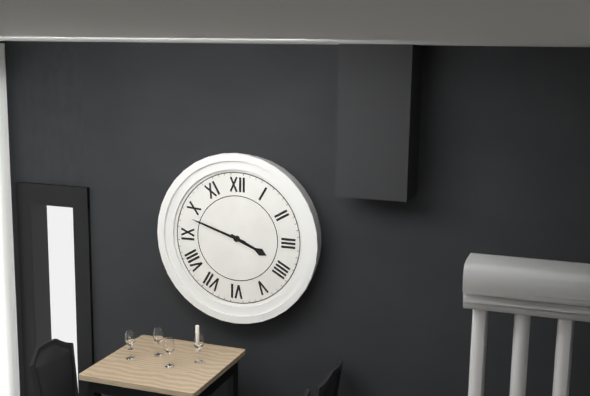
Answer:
3,48
